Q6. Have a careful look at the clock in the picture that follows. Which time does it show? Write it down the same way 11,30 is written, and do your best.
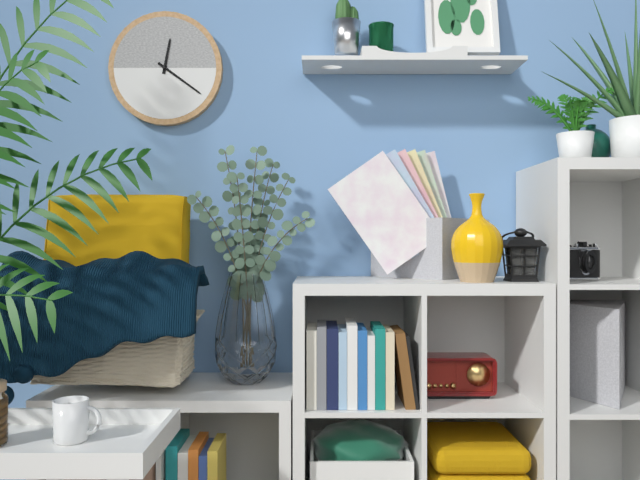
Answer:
12,21
